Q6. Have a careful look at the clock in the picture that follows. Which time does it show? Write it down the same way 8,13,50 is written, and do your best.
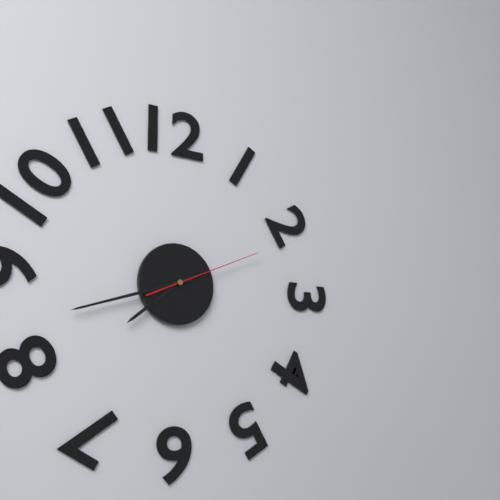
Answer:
7,42,11
